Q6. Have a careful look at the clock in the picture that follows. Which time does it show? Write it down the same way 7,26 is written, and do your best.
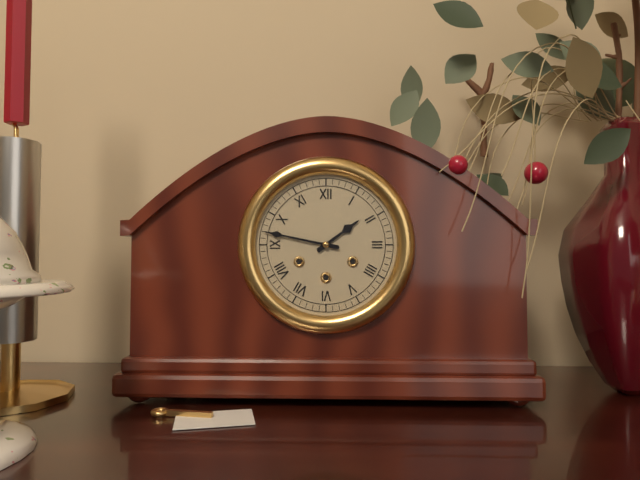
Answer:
1,47
